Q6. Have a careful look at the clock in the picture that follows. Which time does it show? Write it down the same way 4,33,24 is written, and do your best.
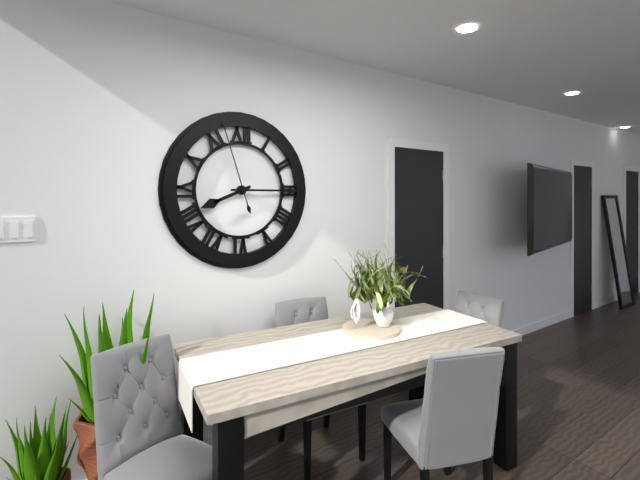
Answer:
8,15,57
